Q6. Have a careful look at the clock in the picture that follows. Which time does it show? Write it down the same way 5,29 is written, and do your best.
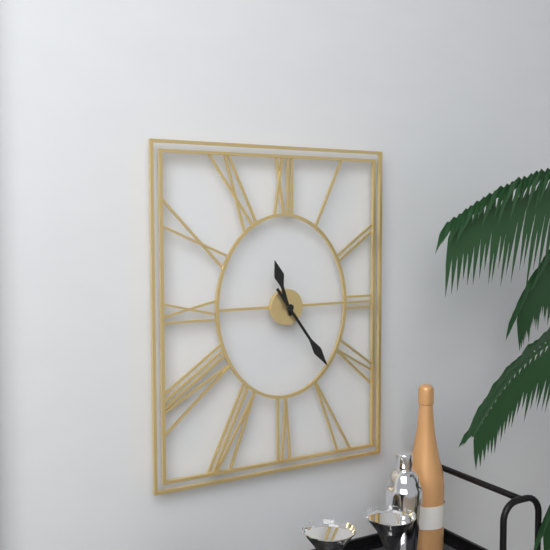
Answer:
11,24
